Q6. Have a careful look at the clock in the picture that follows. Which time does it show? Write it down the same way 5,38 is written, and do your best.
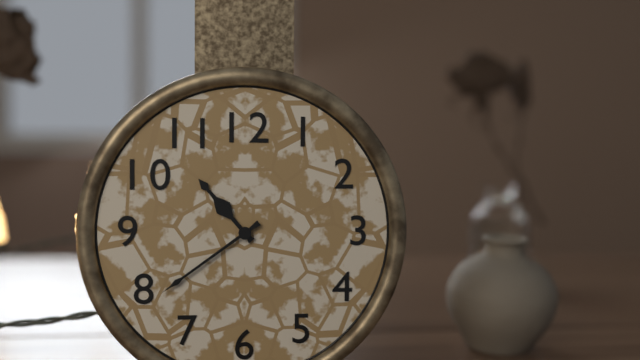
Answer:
10,39
